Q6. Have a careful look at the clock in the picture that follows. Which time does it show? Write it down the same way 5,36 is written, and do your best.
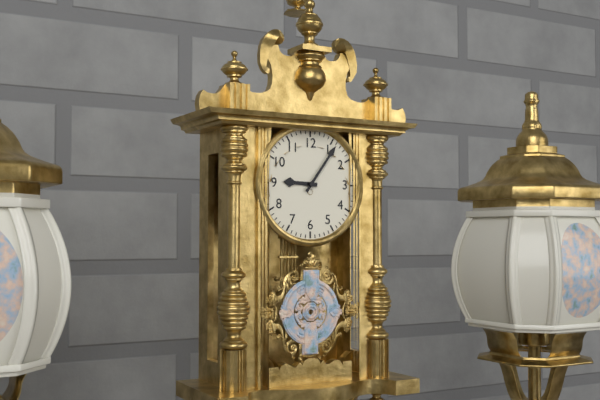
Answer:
9,06
